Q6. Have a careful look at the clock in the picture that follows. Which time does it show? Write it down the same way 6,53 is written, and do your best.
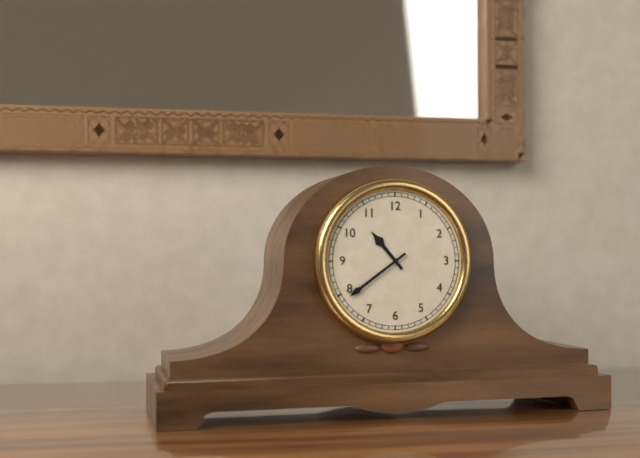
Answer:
10,39
